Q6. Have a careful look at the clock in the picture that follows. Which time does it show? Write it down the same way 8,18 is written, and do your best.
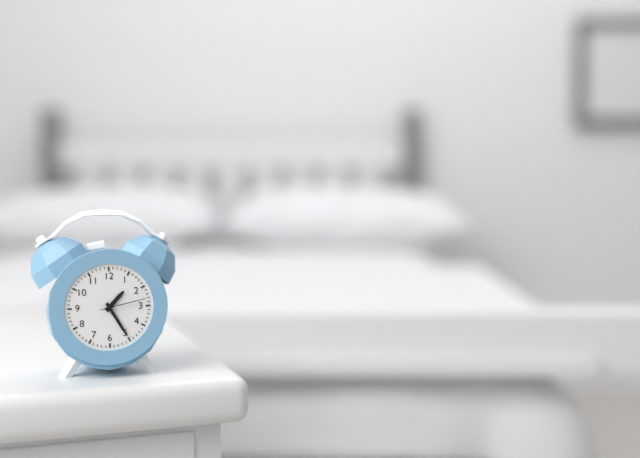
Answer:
1,25
